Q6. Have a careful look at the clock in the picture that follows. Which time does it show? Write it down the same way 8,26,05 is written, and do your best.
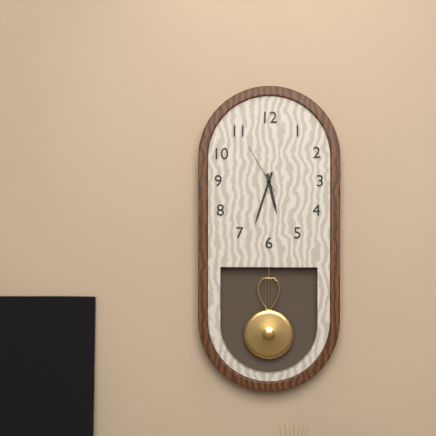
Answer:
5,33,55
